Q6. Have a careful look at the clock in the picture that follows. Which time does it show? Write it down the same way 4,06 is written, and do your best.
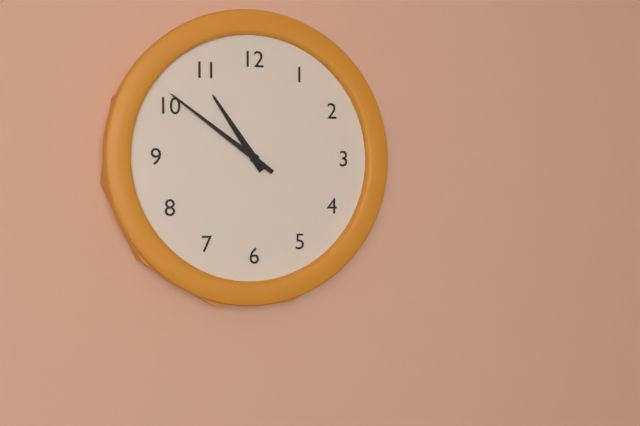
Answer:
10,51
